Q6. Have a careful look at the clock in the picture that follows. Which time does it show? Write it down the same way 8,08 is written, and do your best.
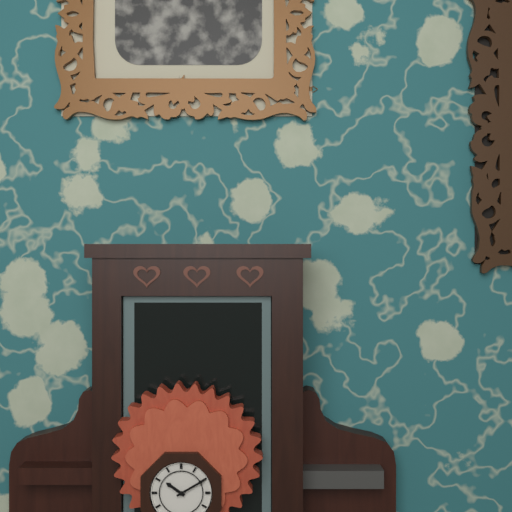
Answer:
10,10
